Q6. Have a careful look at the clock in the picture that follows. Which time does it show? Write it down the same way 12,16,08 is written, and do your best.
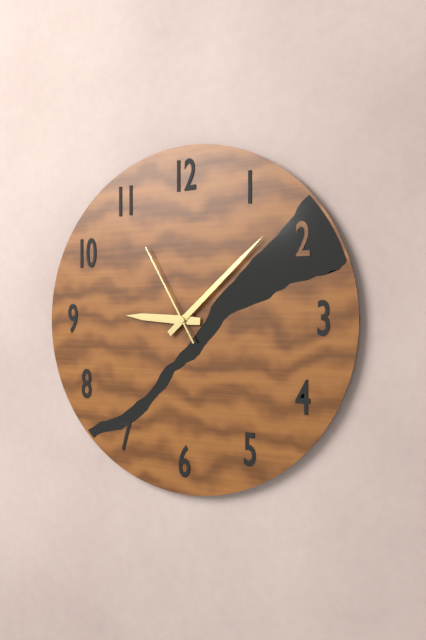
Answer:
9,08,55
